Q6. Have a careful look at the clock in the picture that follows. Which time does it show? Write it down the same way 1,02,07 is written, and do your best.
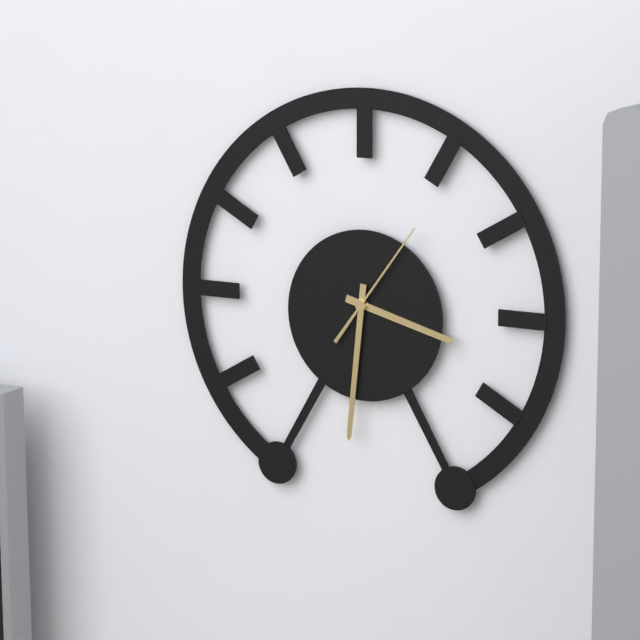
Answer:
3,31,06
